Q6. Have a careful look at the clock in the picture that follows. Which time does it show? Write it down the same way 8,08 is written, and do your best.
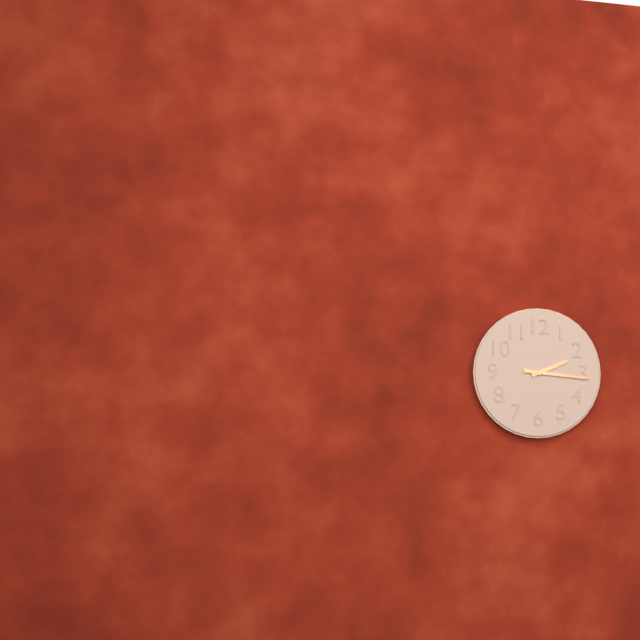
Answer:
2,16
